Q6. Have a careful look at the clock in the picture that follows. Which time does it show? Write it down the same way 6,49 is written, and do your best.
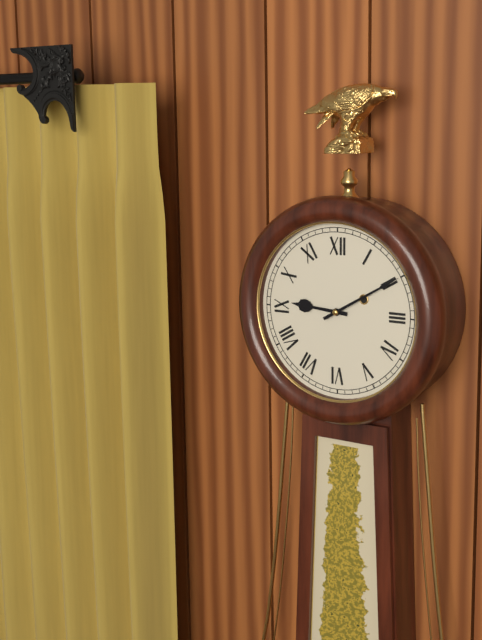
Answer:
9,10
